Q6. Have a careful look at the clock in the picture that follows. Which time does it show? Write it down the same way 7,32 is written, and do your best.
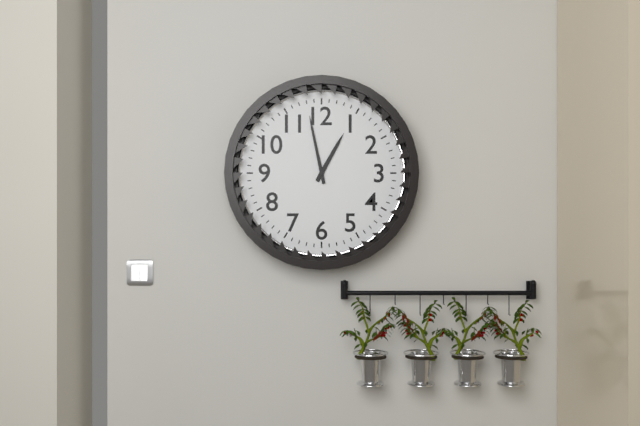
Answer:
12,58
